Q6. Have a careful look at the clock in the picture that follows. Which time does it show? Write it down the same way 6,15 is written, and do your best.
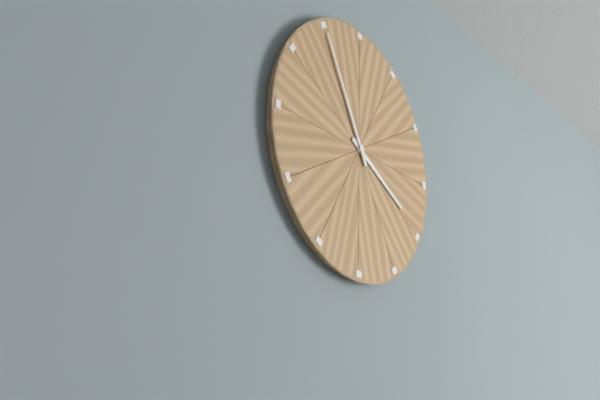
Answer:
3,55
